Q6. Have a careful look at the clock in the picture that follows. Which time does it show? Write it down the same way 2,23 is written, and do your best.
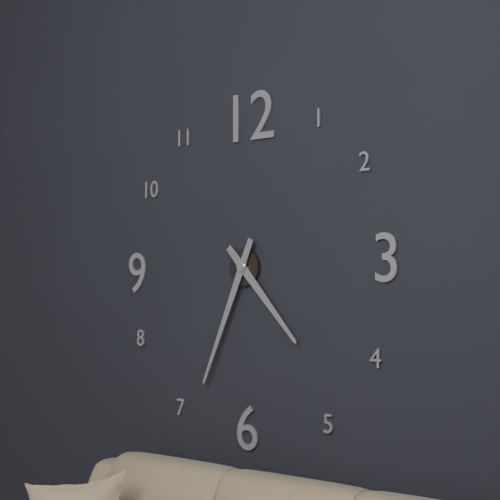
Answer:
4,34
